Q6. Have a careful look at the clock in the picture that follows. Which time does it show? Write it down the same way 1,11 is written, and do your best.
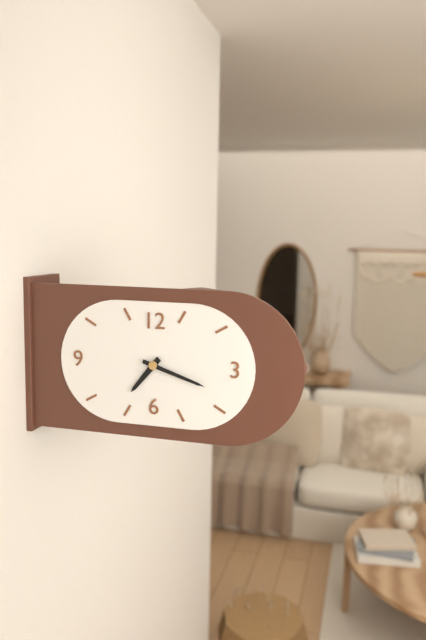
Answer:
7,18
